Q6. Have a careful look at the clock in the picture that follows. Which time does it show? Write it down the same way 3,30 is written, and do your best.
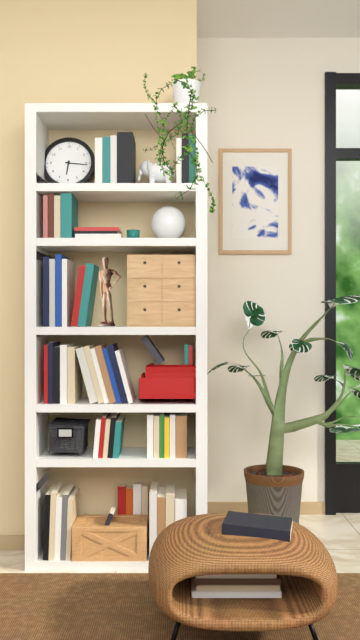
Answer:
6,16
